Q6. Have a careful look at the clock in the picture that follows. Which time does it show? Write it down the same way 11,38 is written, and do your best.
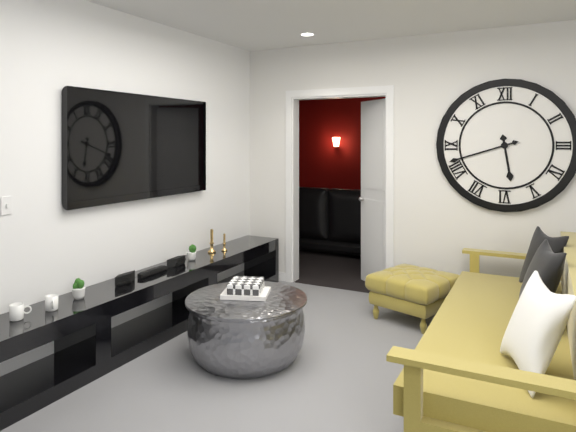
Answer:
5,42
